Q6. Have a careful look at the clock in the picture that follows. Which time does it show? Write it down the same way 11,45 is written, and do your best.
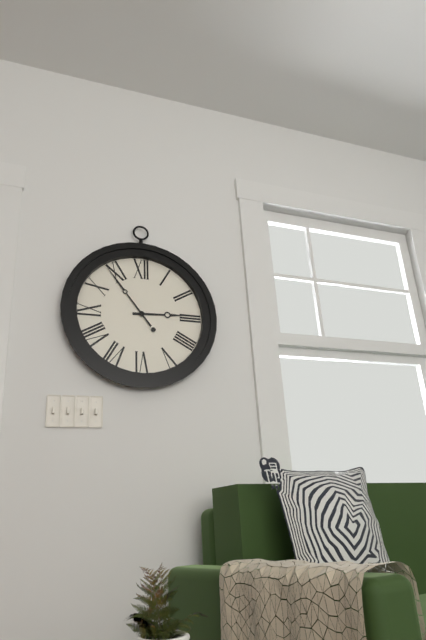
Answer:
2,54
